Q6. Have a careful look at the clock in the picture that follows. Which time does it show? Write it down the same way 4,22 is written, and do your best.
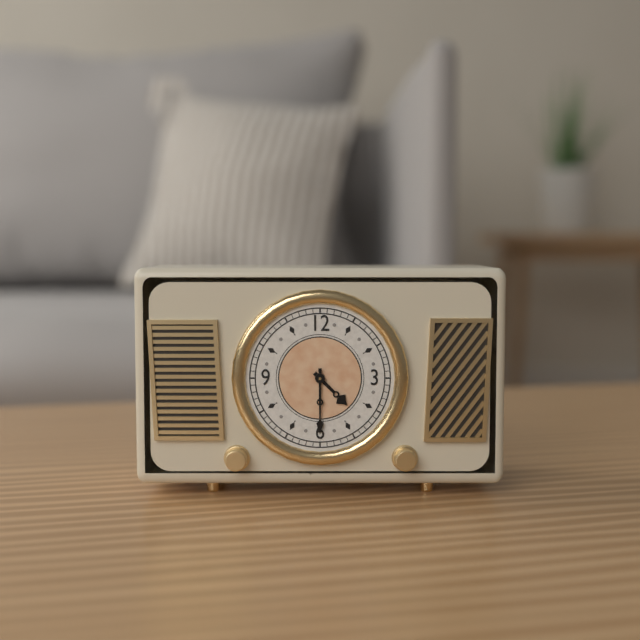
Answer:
4,30
